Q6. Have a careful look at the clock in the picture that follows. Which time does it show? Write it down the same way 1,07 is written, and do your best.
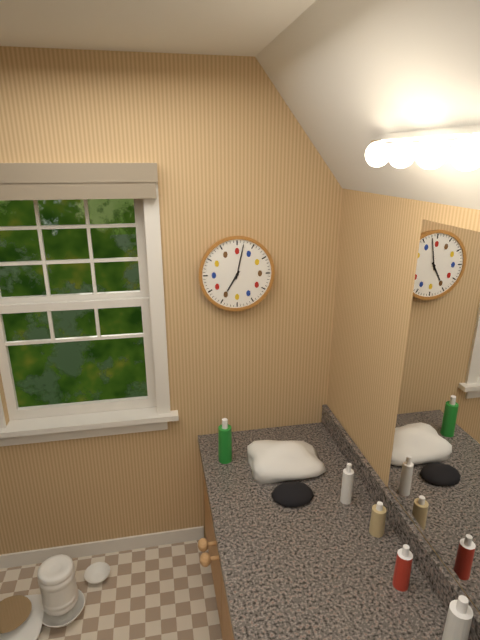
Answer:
7,02
